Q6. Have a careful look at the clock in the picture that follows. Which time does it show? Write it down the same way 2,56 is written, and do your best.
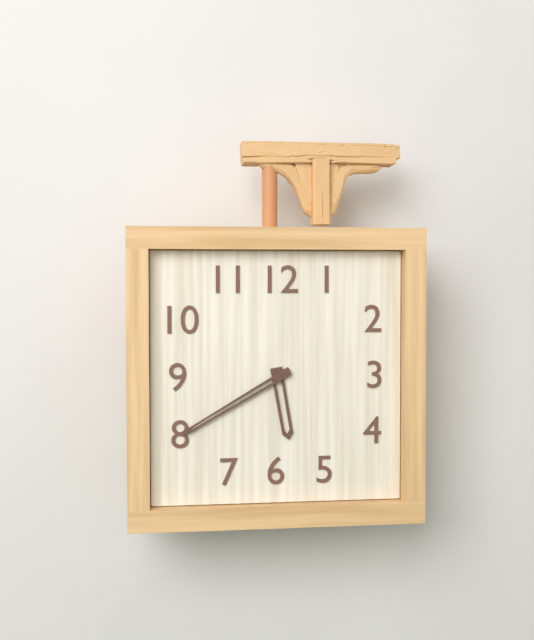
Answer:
5,40
